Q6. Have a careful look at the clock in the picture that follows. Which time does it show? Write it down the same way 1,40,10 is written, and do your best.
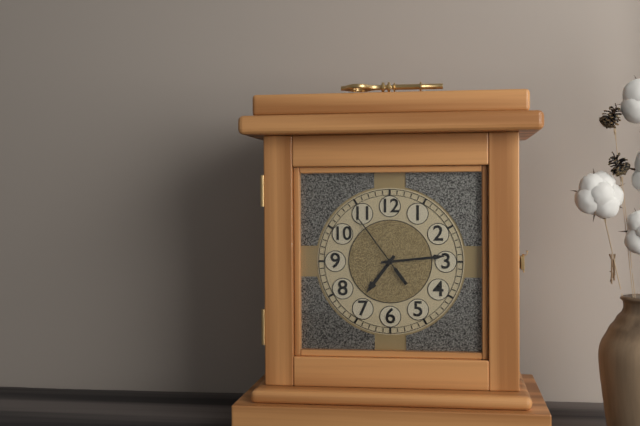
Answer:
7,14,54
